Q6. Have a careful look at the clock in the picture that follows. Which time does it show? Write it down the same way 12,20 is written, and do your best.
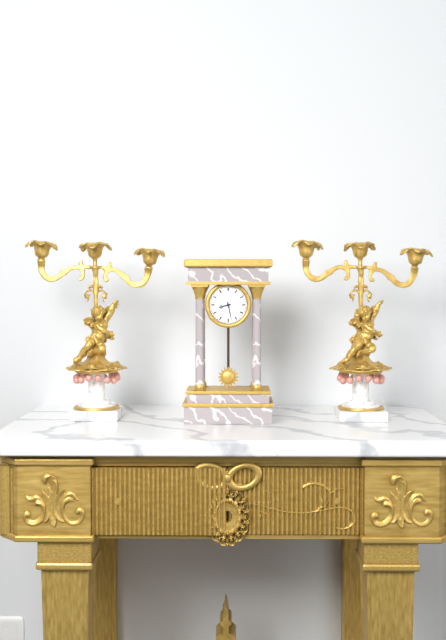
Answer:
8,28
